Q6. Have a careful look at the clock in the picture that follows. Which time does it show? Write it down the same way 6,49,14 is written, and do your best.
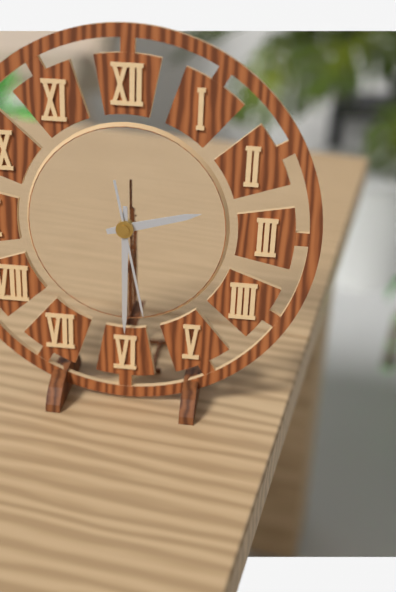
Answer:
2,30,28
